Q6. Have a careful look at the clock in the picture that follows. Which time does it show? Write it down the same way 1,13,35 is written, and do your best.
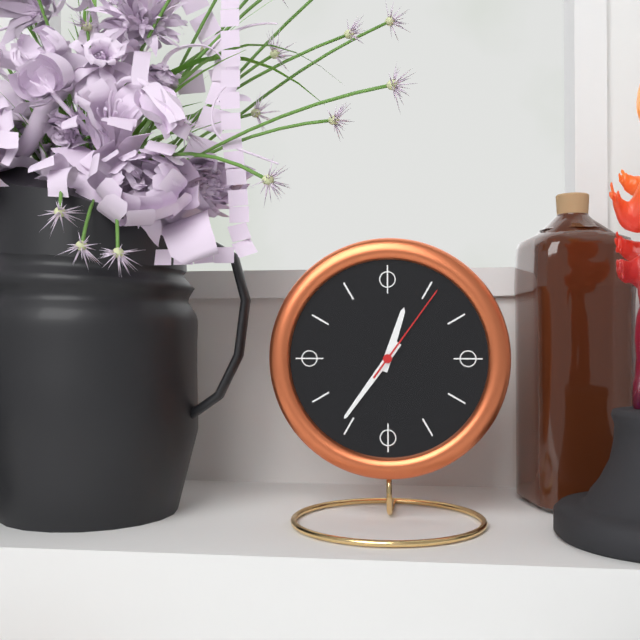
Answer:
12,36,06
